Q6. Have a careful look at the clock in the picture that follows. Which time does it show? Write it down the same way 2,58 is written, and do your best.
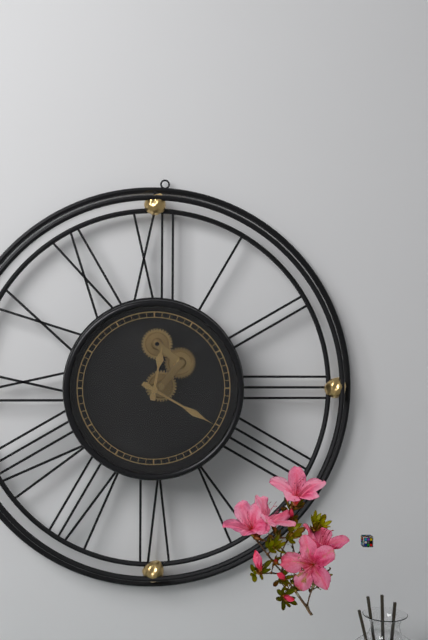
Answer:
12,20
